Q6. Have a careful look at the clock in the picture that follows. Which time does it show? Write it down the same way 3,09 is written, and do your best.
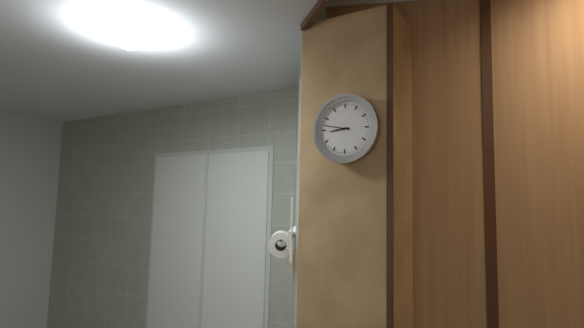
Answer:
8,47
